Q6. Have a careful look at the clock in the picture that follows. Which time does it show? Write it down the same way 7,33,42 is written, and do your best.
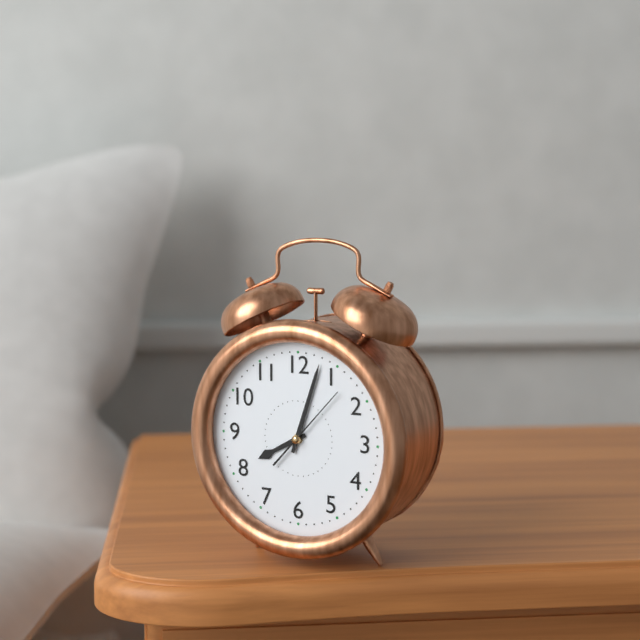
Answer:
8,03,07
